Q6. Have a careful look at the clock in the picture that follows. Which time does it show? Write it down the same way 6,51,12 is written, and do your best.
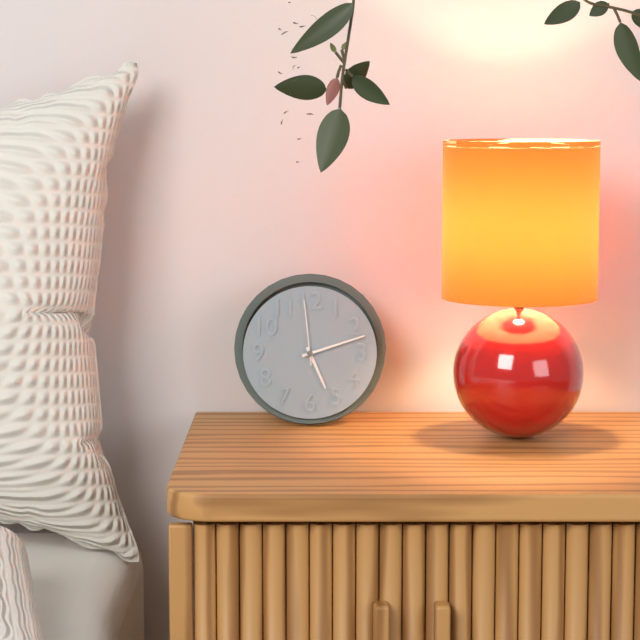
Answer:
5,12,59
